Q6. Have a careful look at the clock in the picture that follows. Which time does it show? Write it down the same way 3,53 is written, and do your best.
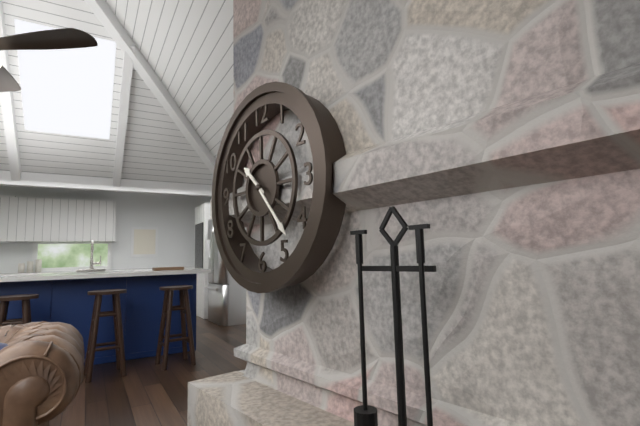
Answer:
10,23
